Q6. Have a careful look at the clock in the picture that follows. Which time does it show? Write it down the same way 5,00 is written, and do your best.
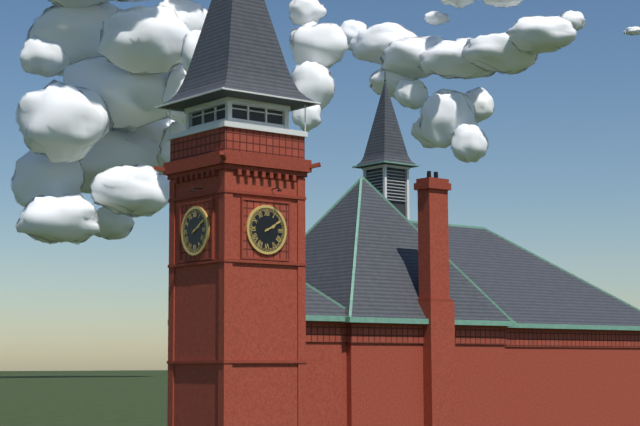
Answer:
2,10
